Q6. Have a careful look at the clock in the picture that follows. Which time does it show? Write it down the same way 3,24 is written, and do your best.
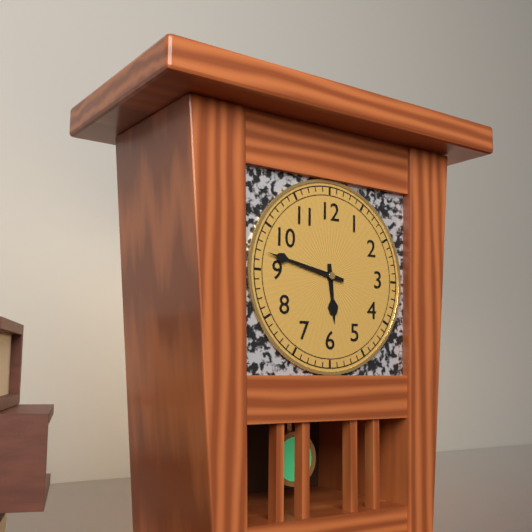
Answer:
5,47
